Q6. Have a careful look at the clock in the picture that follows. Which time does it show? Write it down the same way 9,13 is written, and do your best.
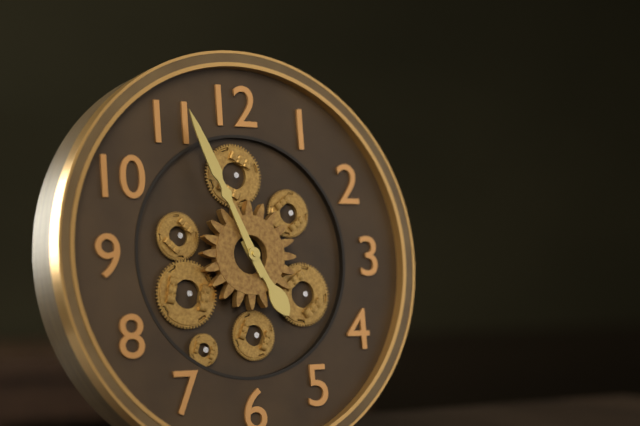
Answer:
4,56
